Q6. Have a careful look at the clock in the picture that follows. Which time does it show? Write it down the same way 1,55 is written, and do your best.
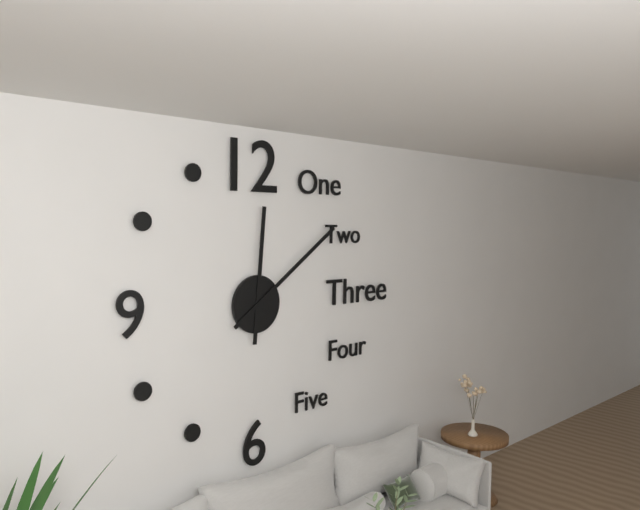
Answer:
12,09
